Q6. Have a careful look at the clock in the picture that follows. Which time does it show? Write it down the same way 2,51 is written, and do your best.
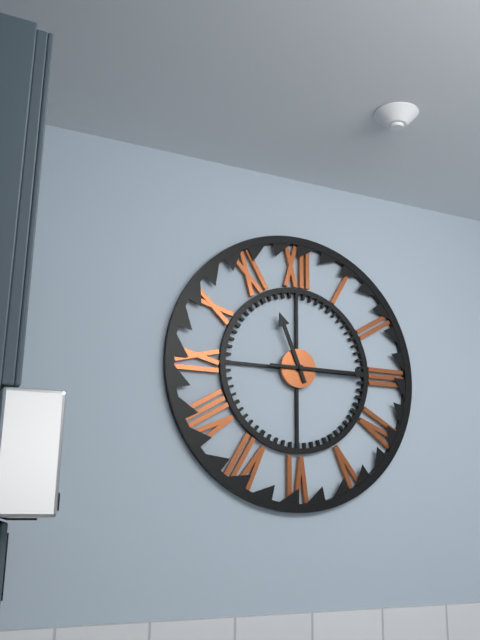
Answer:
11,15
